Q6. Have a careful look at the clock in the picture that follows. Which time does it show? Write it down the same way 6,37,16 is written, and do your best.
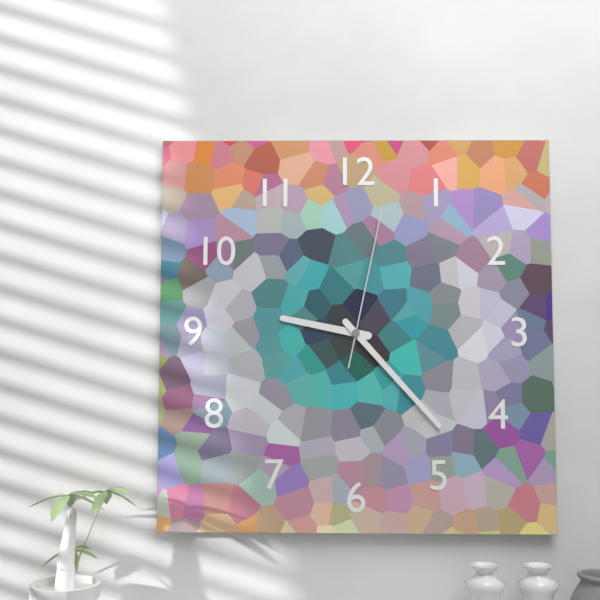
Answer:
9,23,02
